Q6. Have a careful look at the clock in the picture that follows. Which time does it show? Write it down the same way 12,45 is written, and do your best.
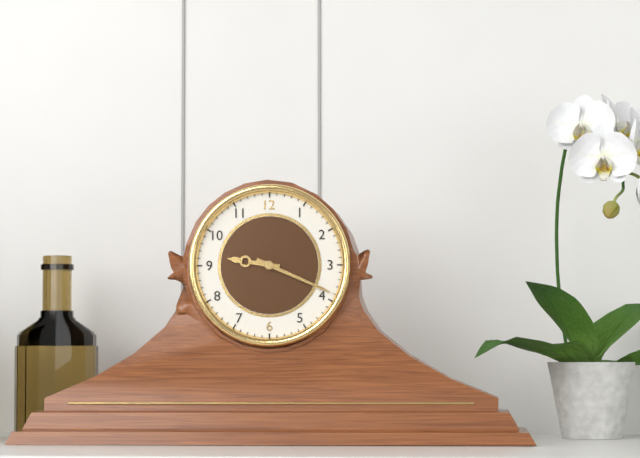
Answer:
9,19
